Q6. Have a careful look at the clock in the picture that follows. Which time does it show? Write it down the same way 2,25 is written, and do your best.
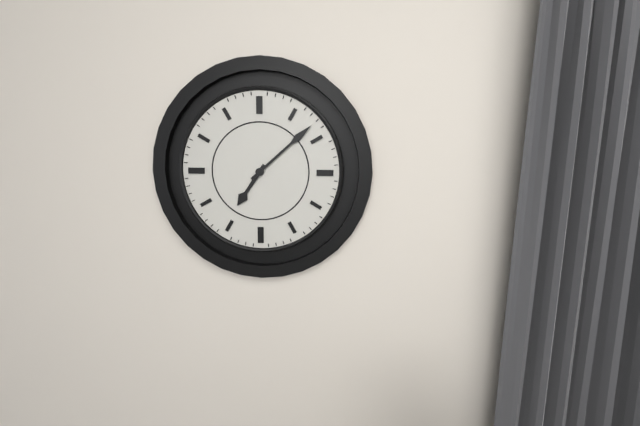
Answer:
7,08
